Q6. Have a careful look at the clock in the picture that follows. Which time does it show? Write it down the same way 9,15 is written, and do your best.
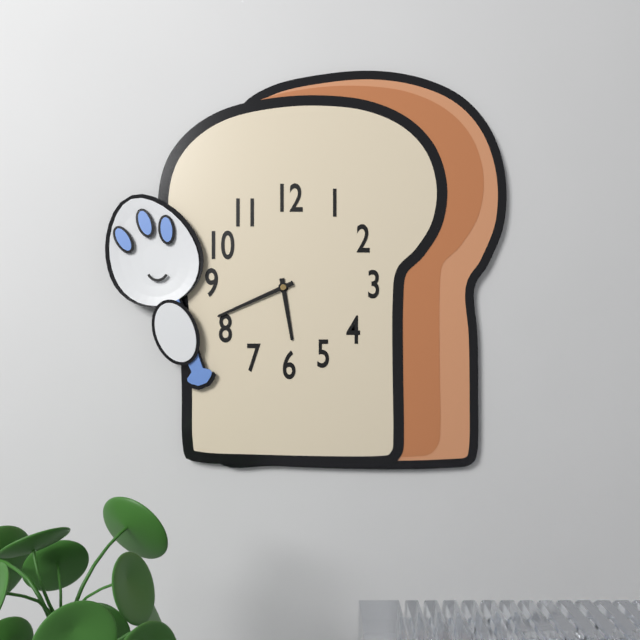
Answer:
5,41
